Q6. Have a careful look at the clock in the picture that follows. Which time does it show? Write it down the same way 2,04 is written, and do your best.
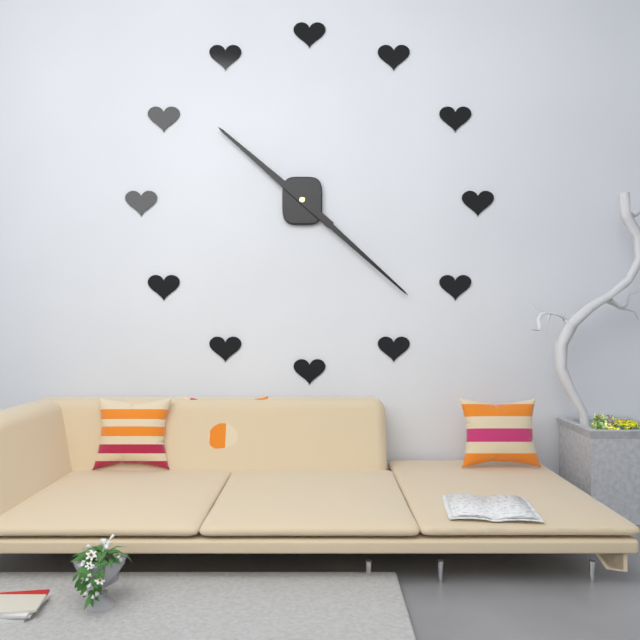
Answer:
10,22
